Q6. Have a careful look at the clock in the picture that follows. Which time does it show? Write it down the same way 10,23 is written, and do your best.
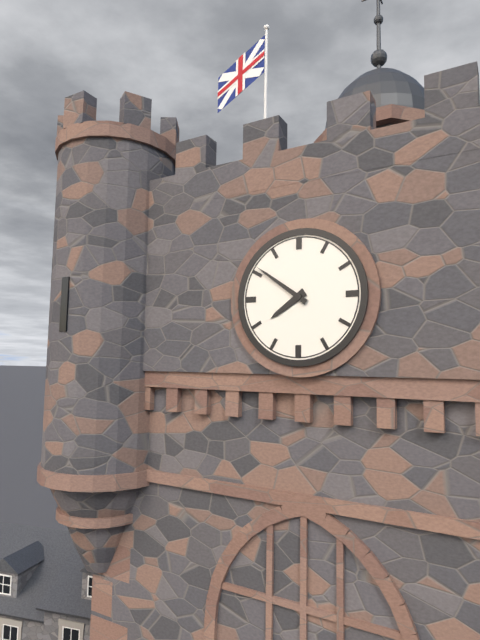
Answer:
7,51
